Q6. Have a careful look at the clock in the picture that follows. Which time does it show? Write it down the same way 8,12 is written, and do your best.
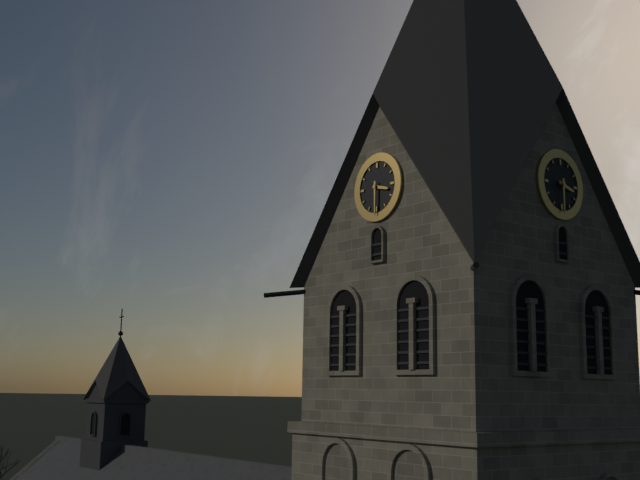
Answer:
3,30
